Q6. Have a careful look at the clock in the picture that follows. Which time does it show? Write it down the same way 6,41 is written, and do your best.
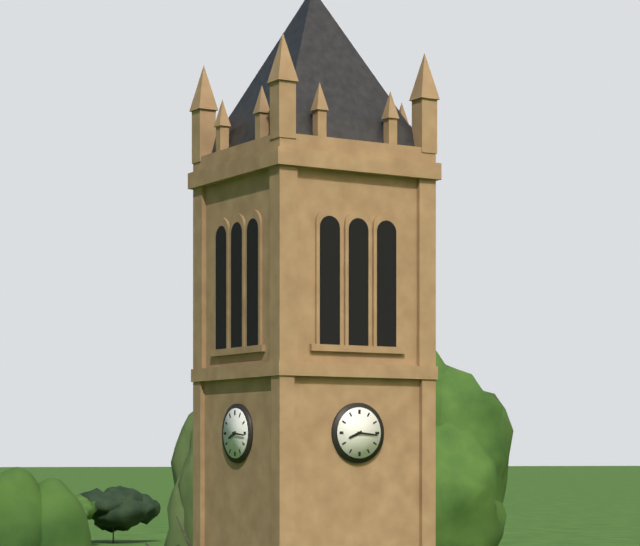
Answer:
8,16
